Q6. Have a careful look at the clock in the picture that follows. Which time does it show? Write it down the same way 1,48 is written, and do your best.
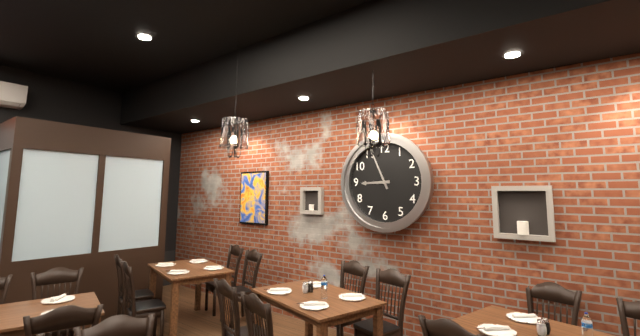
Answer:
8,56
